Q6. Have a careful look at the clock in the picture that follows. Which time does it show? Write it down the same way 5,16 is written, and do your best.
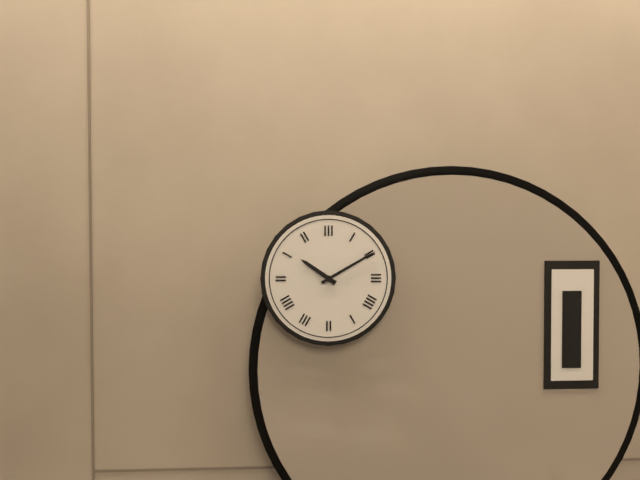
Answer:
10,10
